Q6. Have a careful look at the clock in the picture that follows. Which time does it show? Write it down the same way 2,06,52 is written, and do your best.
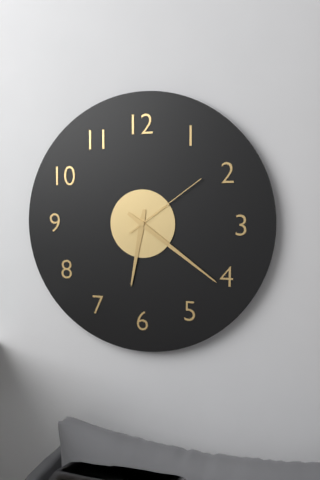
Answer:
6,21,09
